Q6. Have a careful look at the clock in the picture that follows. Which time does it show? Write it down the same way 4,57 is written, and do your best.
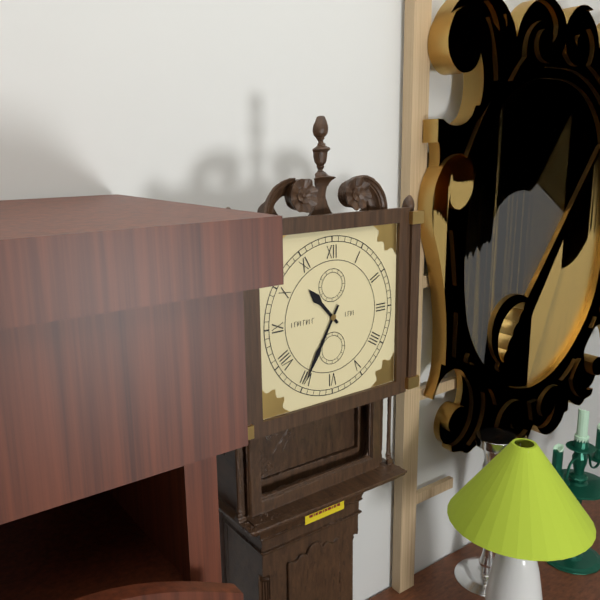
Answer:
10,35
